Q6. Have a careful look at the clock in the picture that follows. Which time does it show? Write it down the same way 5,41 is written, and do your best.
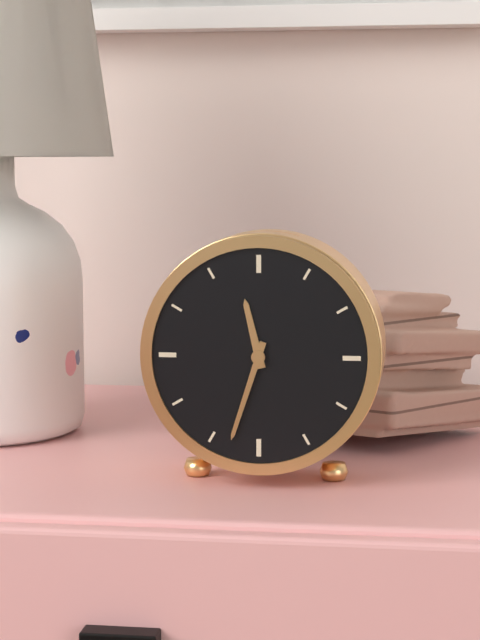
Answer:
11,33
